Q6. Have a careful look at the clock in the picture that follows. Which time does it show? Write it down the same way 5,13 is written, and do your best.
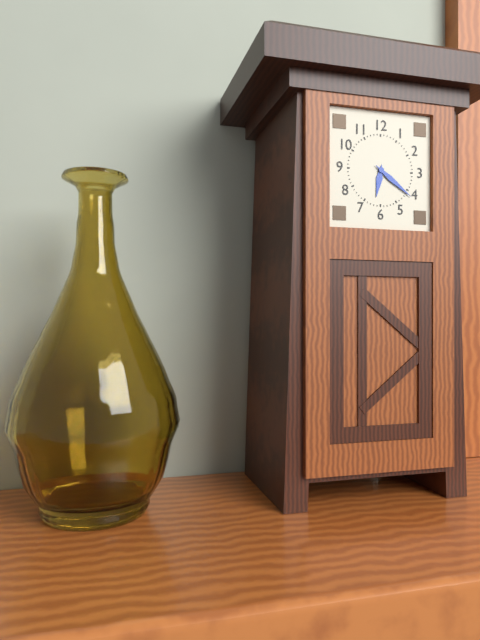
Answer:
6,21
